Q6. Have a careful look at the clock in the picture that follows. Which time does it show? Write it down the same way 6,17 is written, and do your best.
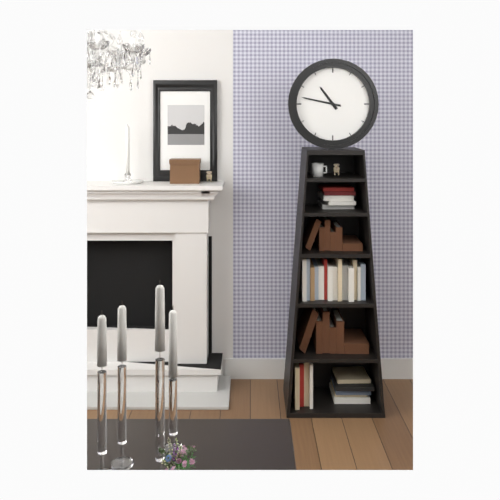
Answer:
10,47
